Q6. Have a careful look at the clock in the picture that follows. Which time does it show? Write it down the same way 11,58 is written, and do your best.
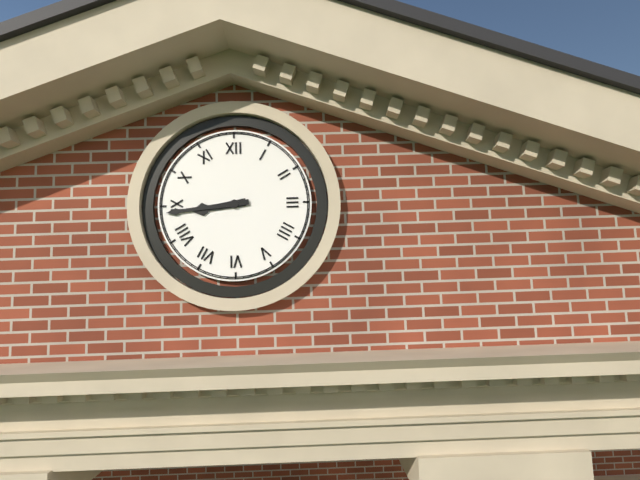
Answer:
8,44
